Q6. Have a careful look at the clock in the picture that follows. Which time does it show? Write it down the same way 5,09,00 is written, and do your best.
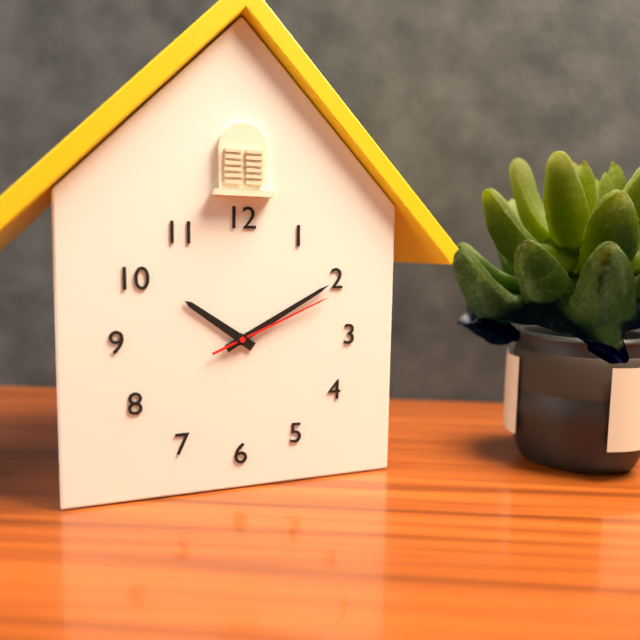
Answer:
10,10,11
